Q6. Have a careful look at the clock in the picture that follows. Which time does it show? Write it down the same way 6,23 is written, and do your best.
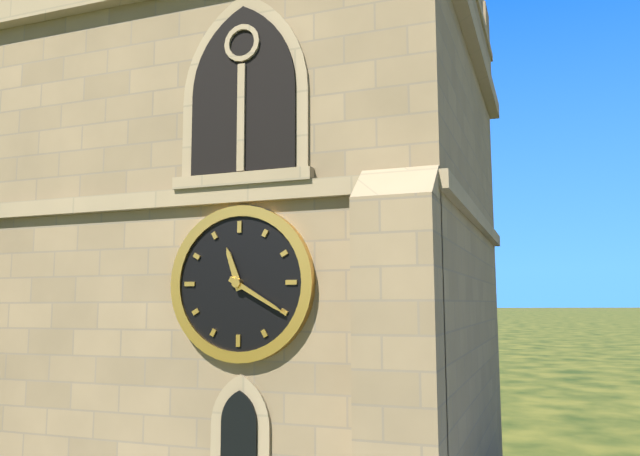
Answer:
11,20
